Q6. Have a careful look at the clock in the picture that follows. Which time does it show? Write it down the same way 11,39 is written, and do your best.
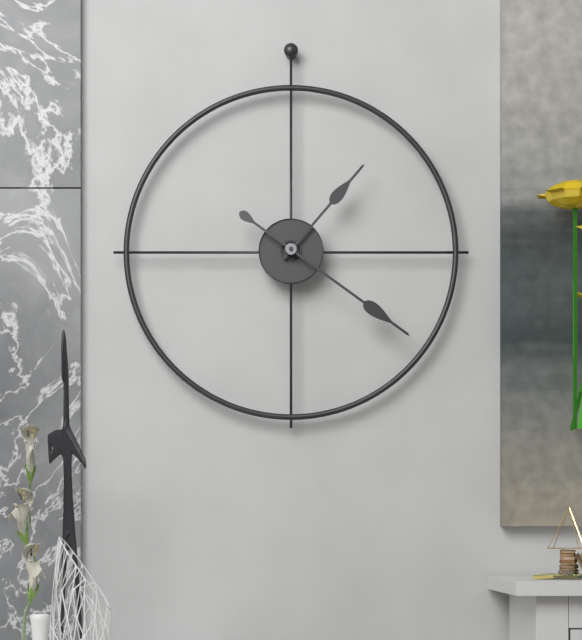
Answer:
1,21
